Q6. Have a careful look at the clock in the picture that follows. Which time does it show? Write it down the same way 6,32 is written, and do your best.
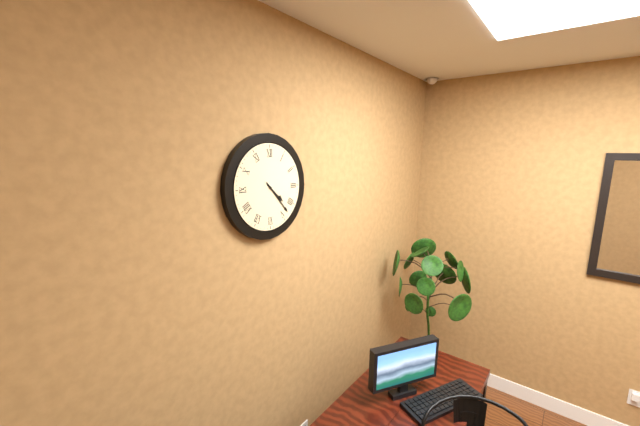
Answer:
4,23
